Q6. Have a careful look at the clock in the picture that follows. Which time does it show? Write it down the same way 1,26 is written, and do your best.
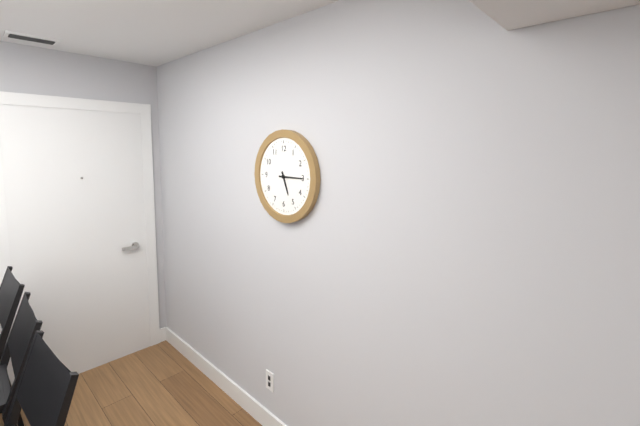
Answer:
5,15
